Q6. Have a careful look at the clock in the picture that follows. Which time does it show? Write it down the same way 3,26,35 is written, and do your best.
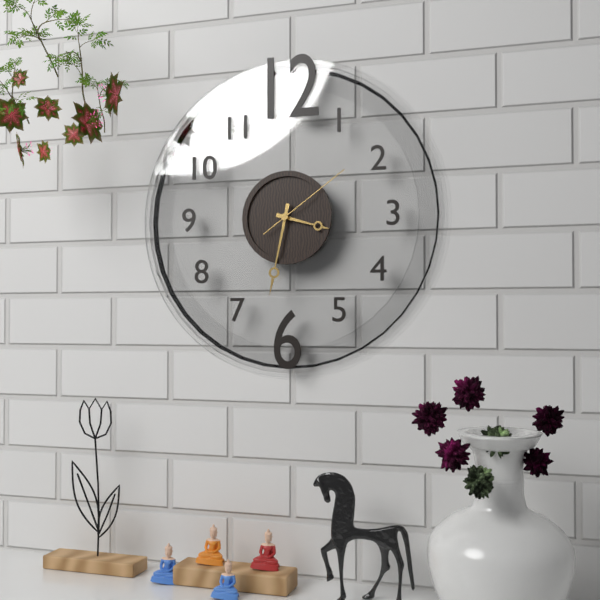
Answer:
3,32,09
